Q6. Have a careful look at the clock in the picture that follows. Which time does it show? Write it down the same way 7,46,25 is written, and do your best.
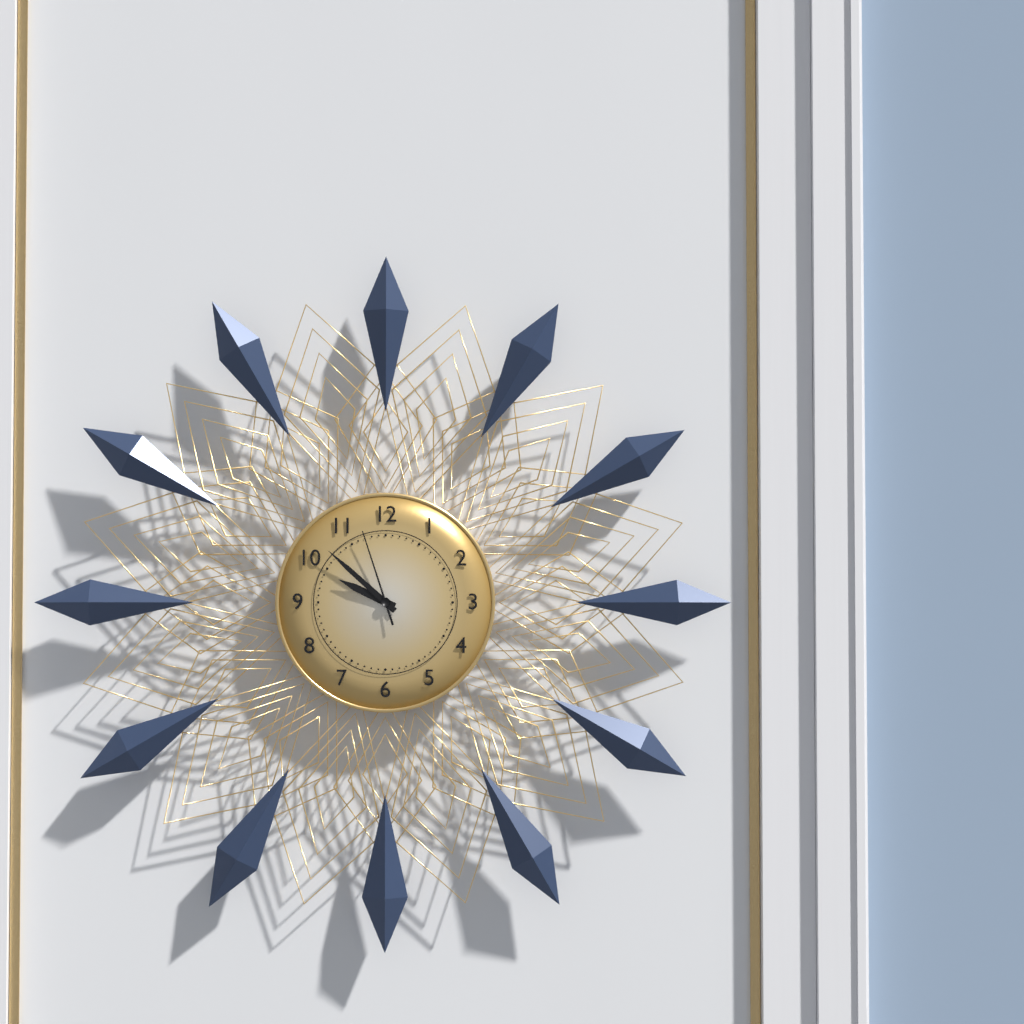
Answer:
9,52,57
